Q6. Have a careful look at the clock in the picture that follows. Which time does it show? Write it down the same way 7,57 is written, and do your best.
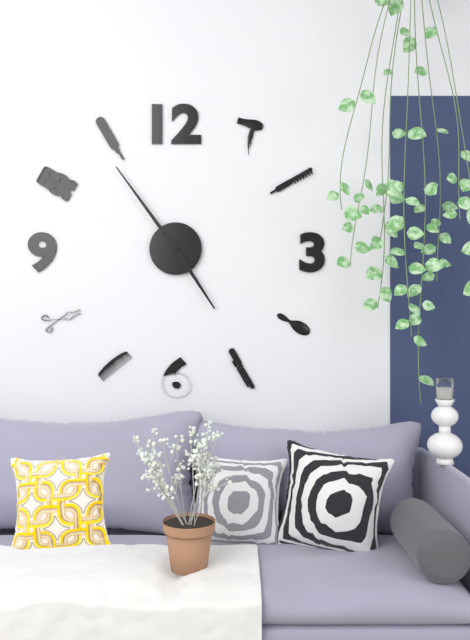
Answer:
4,54
